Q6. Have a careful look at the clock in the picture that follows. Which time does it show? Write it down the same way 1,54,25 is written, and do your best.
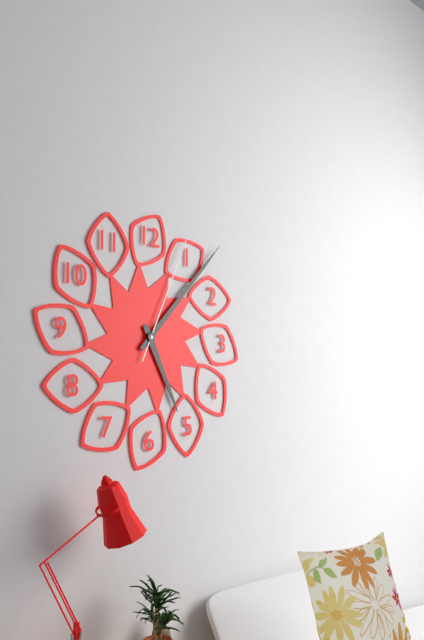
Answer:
5,07,04
